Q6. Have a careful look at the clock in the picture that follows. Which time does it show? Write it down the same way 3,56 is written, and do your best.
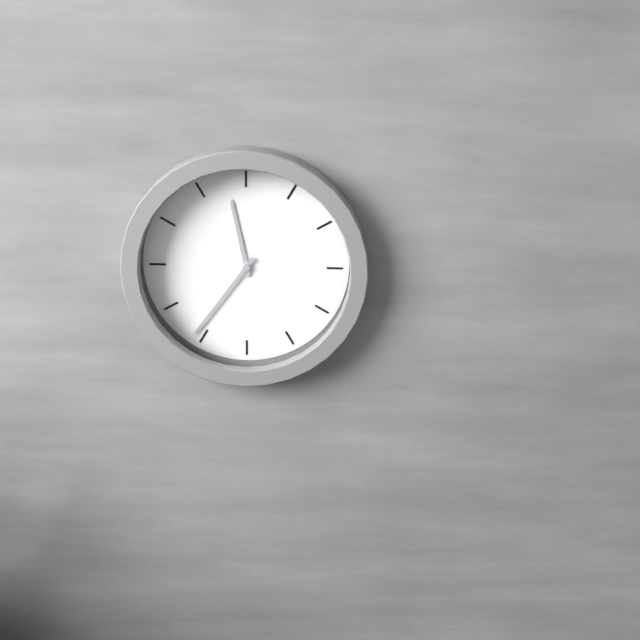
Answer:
11,36
